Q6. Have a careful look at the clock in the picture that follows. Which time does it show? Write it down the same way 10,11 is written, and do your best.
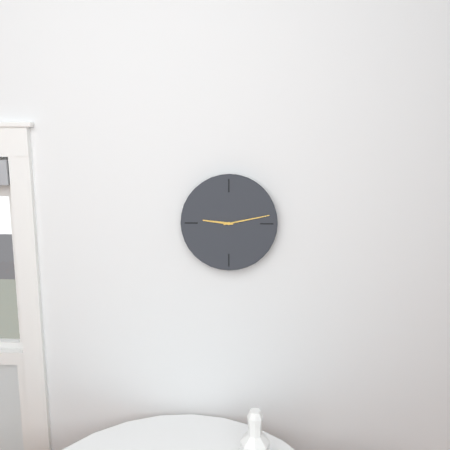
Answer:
9,13
